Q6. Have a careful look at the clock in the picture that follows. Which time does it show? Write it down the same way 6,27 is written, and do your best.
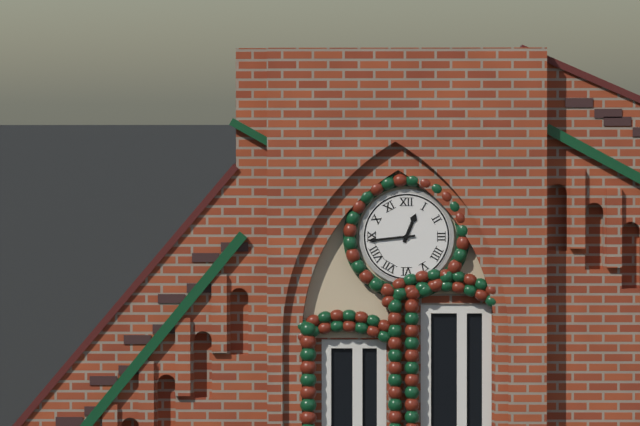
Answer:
12,44
